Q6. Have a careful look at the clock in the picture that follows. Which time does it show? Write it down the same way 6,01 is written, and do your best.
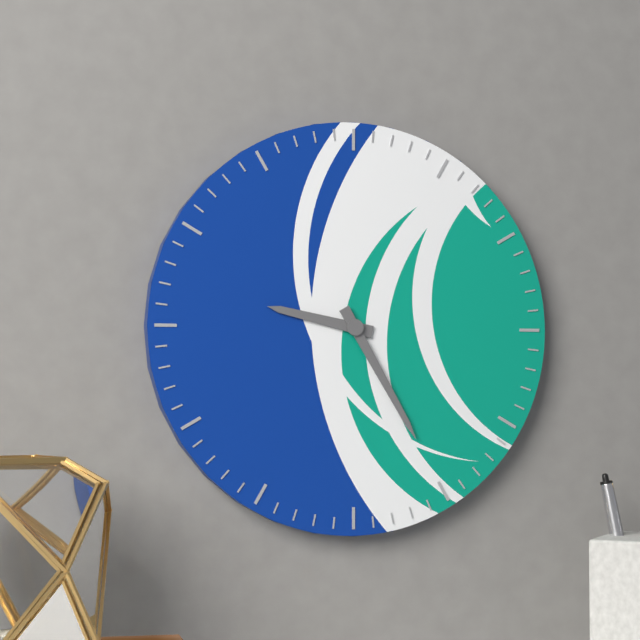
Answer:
9,25
